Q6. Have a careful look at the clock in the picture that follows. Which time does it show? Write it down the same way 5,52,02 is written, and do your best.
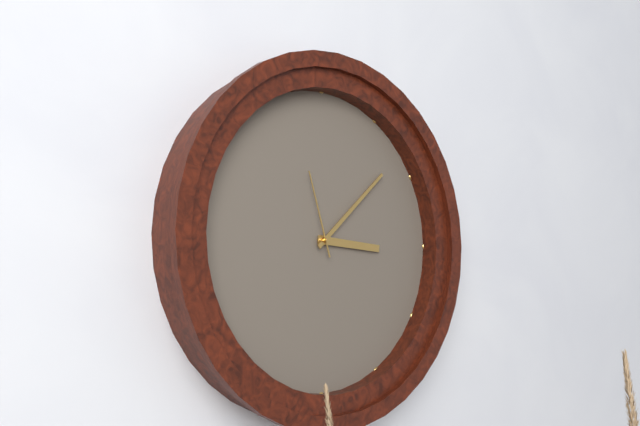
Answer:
3,08,57
